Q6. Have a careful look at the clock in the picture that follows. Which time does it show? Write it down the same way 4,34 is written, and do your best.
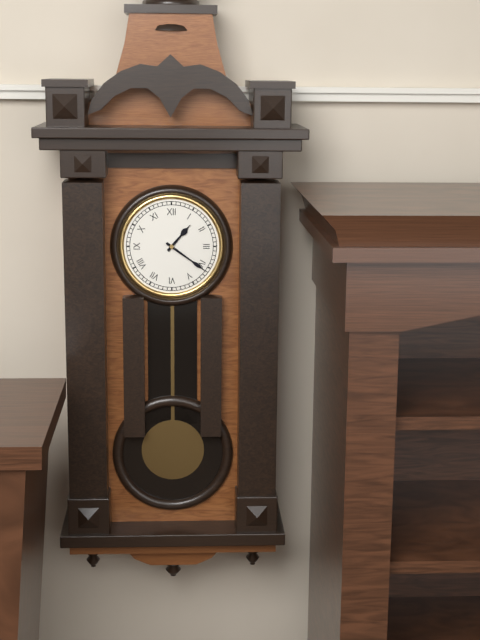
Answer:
1,21
